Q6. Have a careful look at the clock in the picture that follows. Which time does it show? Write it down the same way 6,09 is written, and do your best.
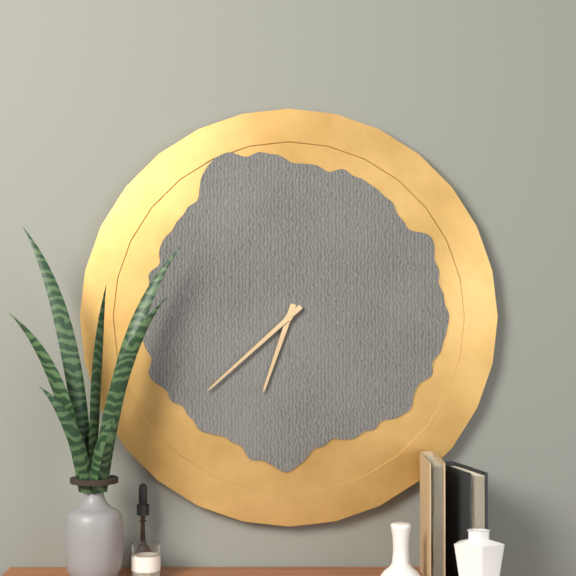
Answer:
6,38
